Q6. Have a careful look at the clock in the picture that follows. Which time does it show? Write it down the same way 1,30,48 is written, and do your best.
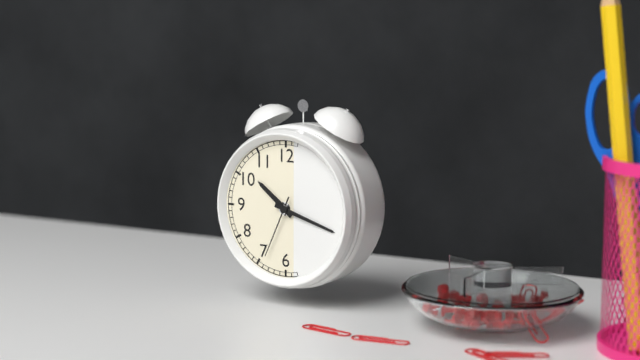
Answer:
10,18,34
